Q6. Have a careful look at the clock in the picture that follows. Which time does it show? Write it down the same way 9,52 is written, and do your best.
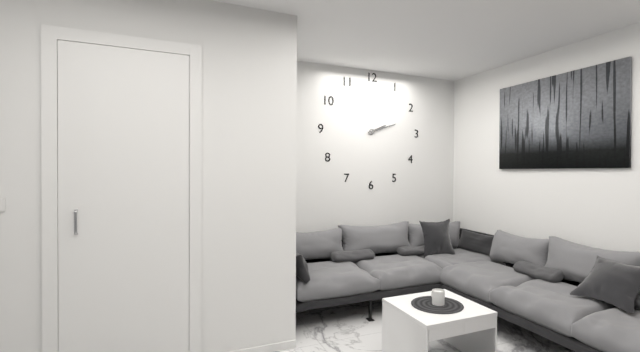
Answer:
2,12
